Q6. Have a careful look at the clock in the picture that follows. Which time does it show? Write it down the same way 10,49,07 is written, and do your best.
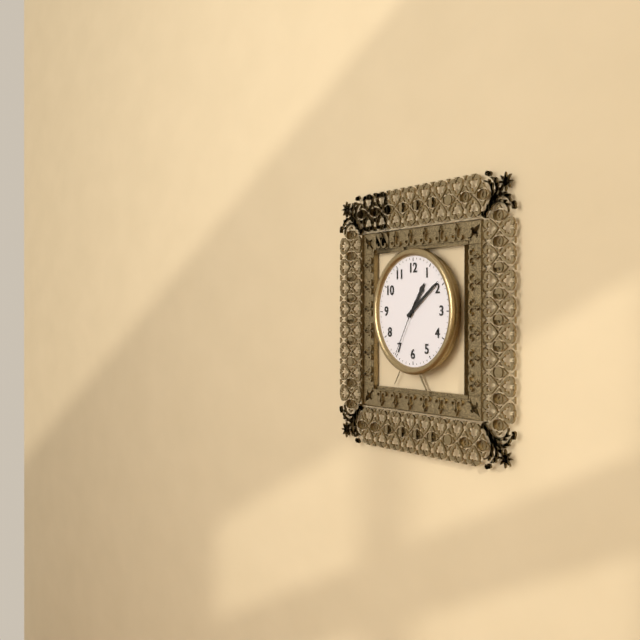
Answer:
1,09,35
